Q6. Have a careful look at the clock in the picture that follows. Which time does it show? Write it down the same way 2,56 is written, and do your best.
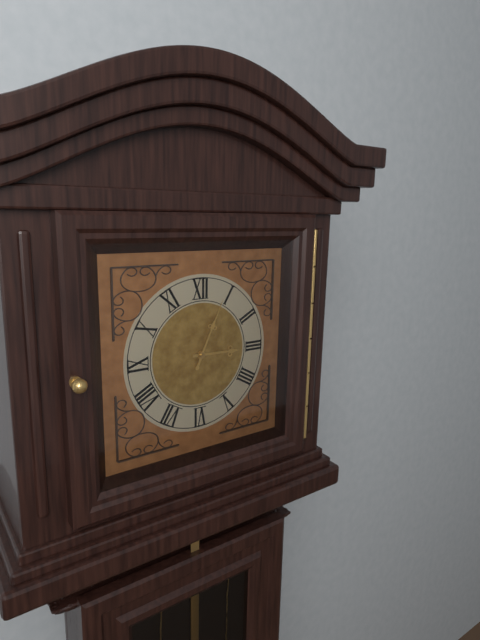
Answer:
3,04
